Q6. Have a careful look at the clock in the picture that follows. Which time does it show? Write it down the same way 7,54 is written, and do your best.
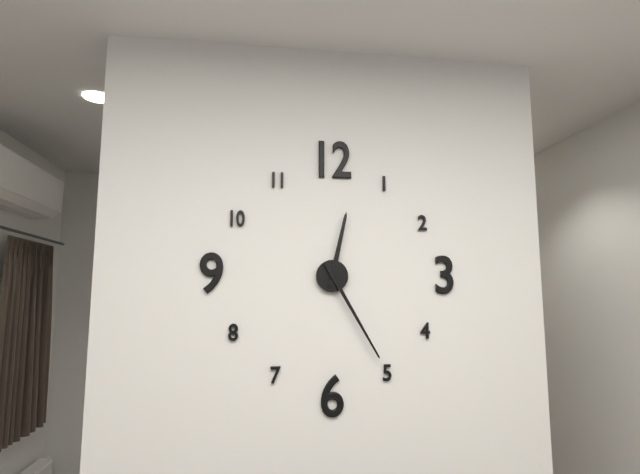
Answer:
12,25
